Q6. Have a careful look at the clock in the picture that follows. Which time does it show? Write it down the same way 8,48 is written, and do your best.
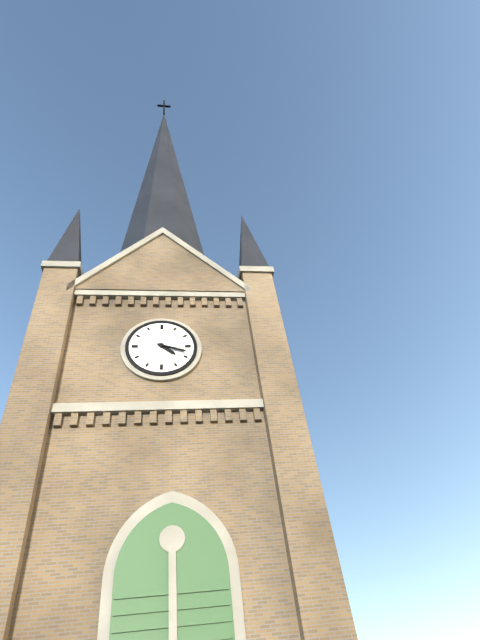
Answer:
4,18
